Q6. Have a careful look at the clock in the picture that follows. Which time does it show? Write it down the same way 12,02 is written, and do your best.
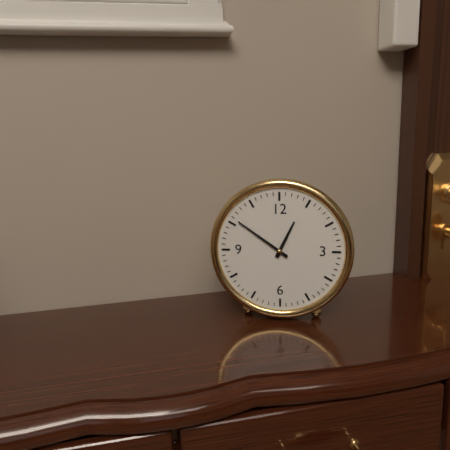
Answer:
12,51
